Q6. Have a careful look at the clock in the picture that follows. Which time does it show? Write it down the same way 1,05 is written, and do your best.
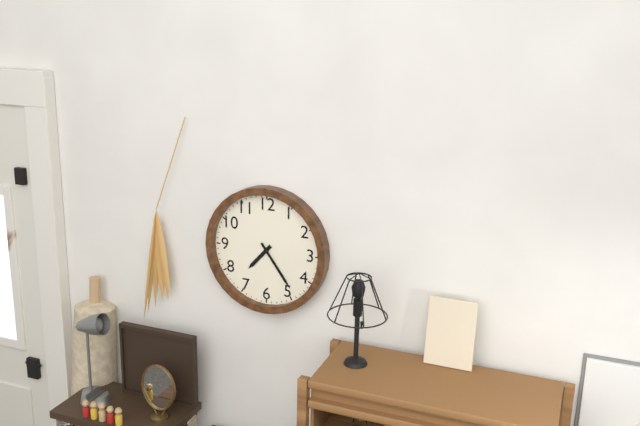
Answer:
7,24
